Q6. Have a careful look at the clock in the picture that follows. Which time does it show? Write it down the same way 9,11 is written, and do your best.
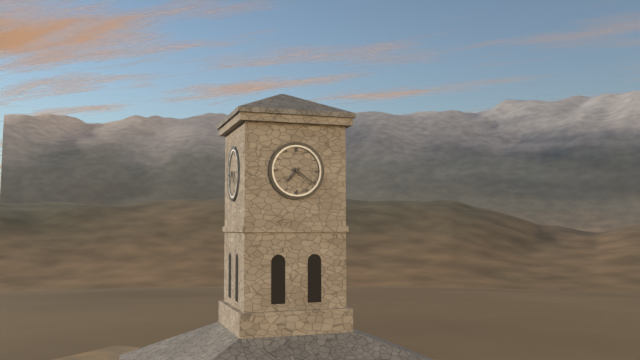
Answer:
7,21
